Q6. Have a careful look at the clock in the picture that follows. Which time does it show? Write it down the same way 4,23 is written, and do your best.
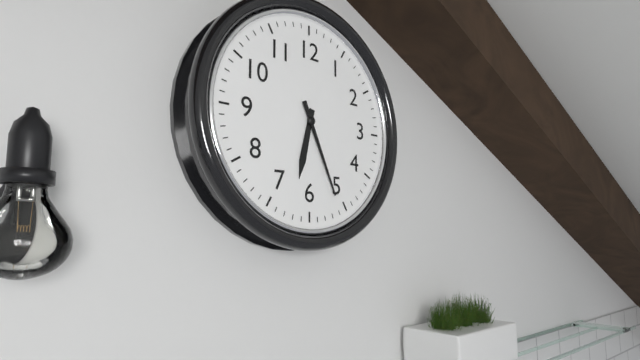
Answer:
6,26
